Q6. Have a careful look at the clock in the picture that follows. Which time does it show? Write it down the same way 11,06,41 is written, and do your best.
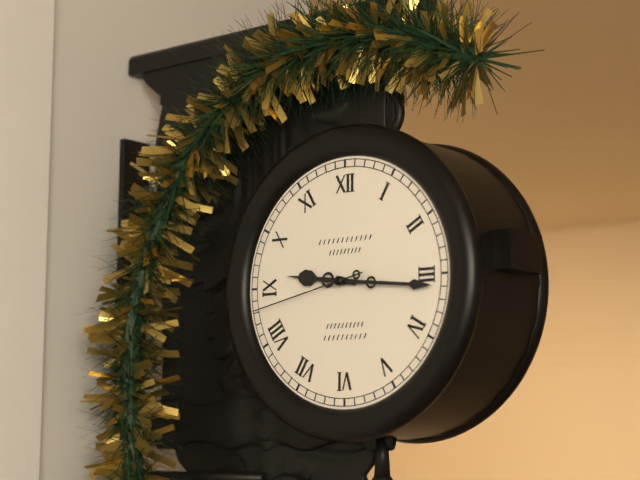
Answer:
9,16,43
